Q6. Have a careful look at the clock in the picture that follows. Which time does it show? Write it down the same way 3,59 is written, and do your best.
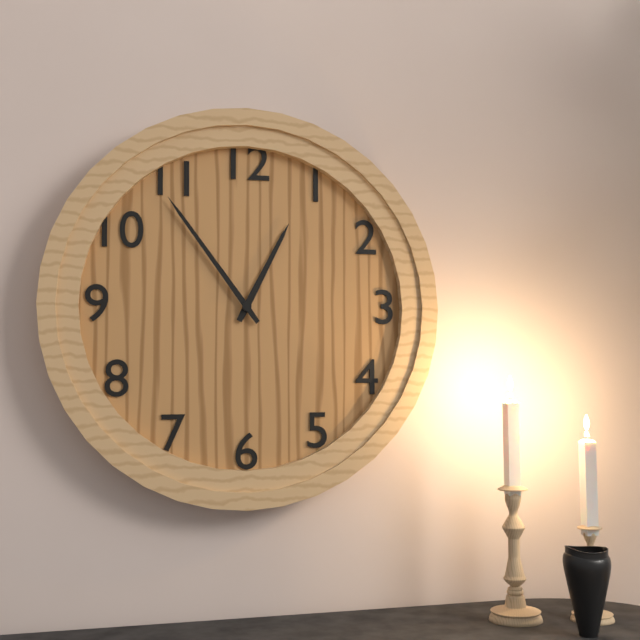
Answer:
12,54
